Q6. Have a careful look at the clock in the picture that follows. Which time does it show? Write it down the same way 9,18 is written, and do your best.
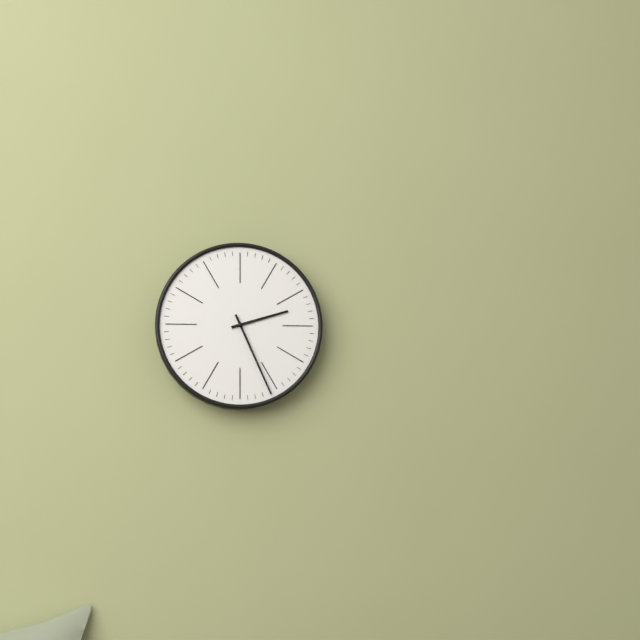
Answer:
2,26
